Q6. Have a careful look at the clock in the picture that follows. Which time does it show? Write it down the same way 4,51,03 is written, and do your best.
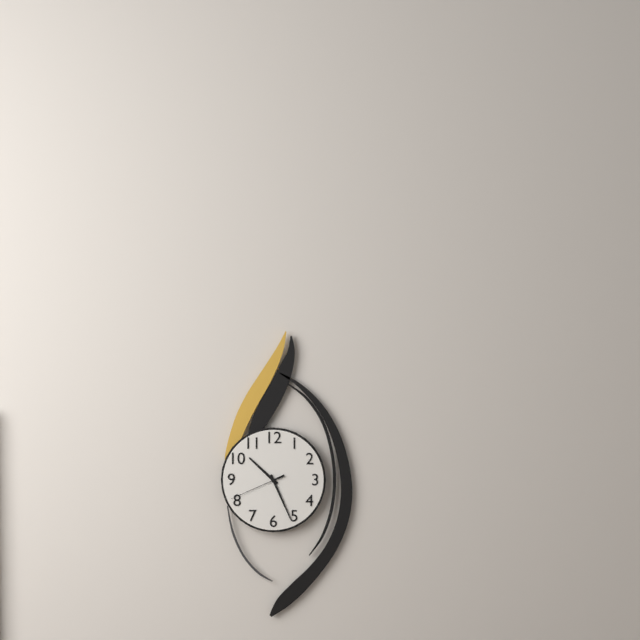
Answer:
10,26,41
